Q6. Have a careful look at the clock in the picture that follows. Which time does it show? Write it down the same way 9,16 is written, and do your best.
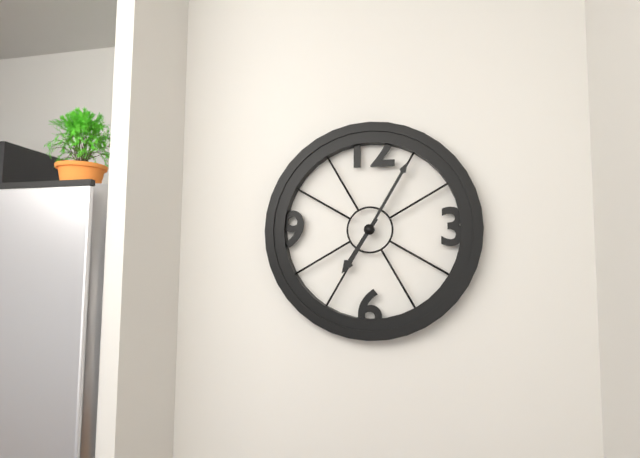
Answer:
7,05
